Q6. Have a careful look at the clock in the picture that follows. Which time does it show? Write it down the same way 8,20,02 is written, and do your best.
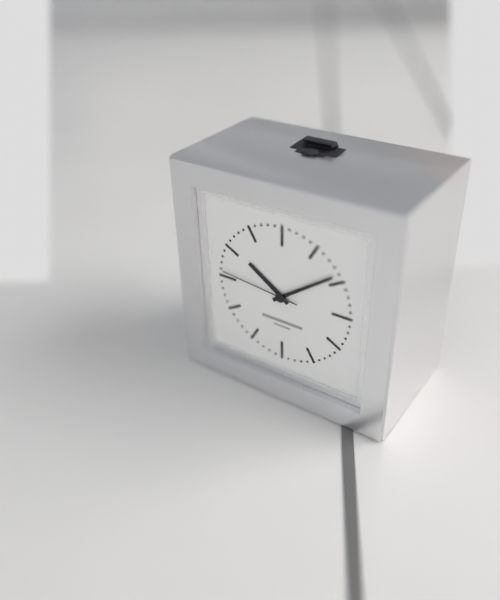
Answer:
10,09,46
